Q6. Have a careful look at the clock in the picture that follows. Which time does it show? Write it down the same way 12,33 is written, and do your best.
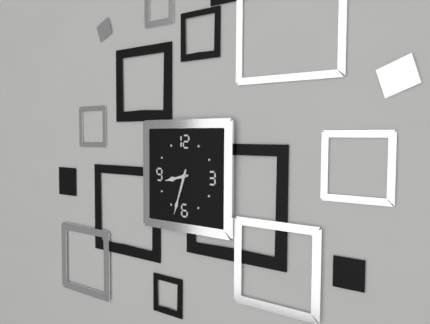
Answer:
8,33
